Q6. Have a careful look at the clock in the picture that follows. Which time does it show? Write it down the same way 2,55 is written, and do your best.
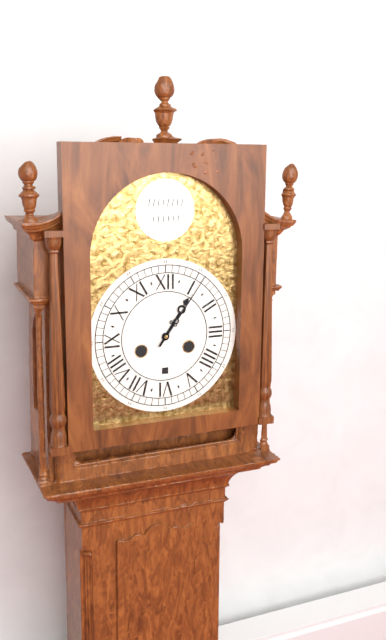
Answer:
1,06
